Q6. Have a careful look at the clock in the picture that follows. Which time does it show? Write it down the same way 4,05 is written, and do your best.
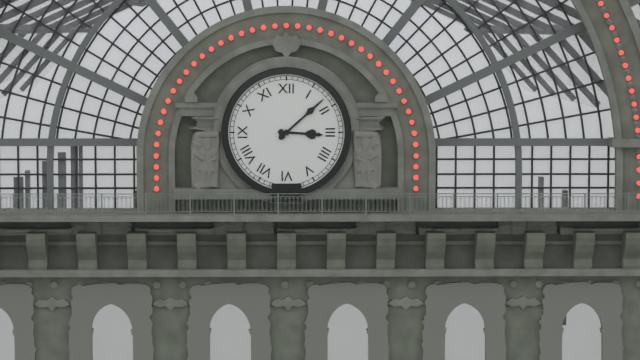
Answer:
3,08
